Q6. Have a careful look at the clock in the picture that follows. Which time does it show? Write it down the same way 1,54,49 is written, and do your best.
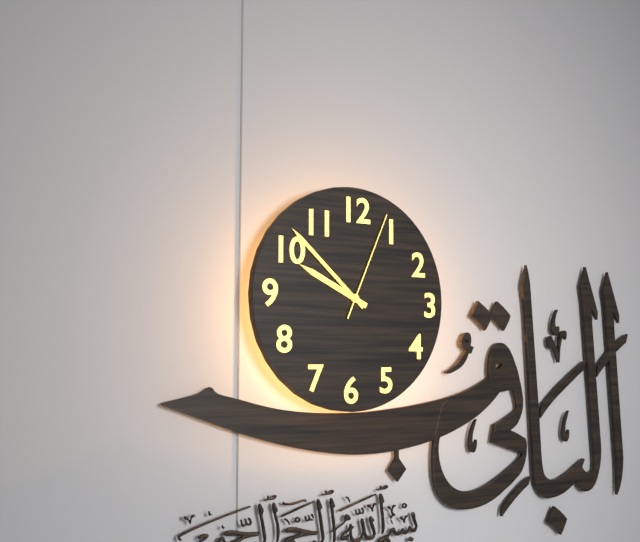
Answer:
9,52,04
